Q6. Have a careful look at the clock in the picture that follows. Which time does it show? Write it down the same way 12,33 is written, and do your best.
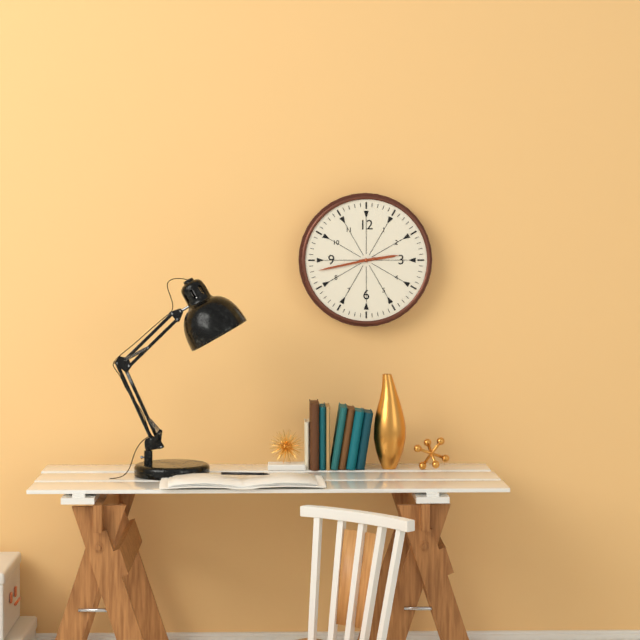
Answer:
2,43
